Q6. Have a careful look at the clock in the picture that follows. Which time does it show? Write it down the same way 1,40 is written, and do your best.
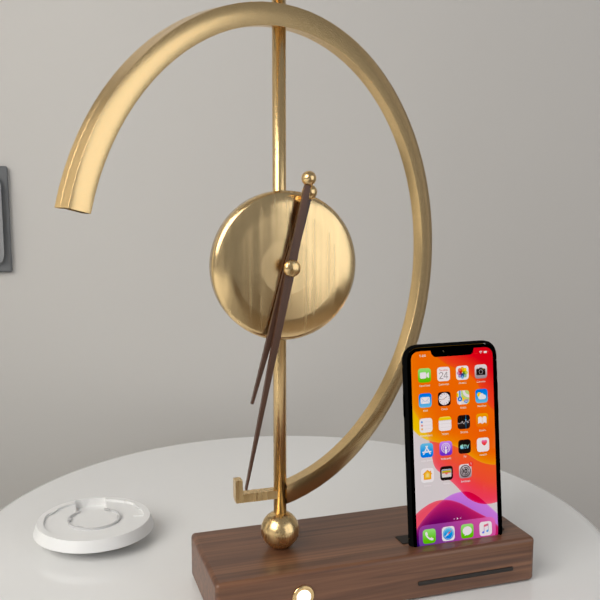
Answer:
6,32
